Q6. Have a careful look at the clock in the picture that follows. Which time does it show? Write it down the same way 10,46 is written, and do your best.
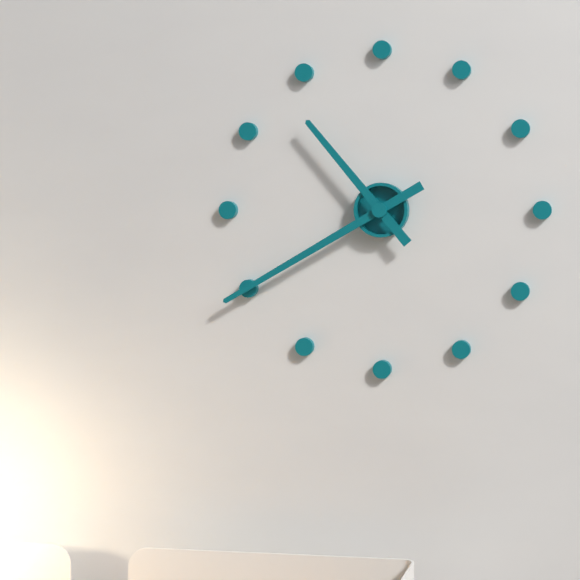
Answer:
10,40
